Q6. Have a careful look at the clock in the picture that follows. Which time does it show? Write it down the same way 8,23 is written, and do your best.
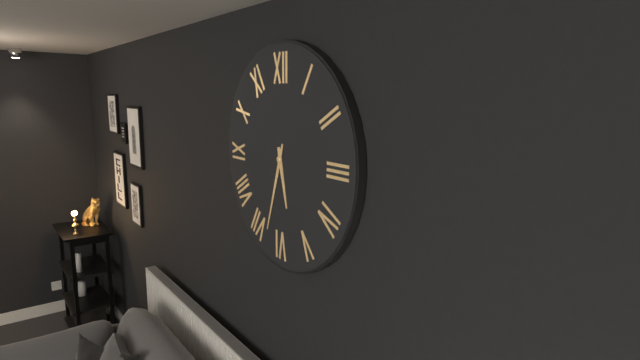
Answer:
5,33
